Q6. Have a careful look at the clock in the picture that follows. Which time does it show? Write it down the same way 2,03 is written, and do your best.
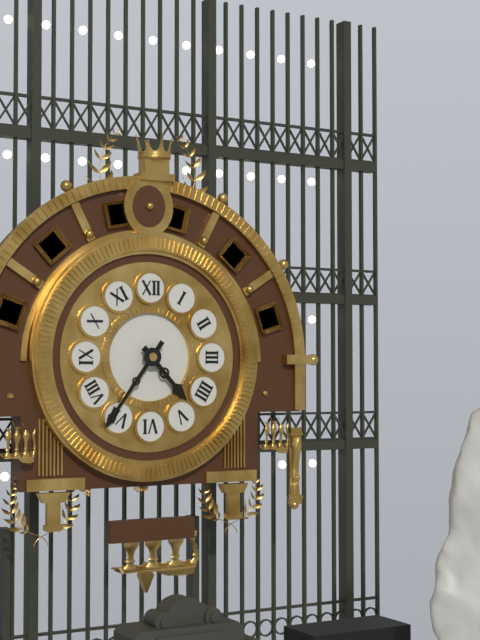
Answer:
4,36
